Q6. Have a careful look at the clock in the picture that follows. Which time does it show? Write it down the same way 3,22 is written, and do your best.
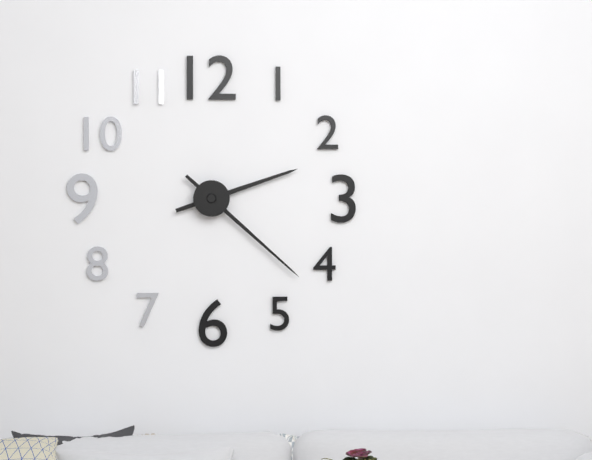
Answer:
2,22
